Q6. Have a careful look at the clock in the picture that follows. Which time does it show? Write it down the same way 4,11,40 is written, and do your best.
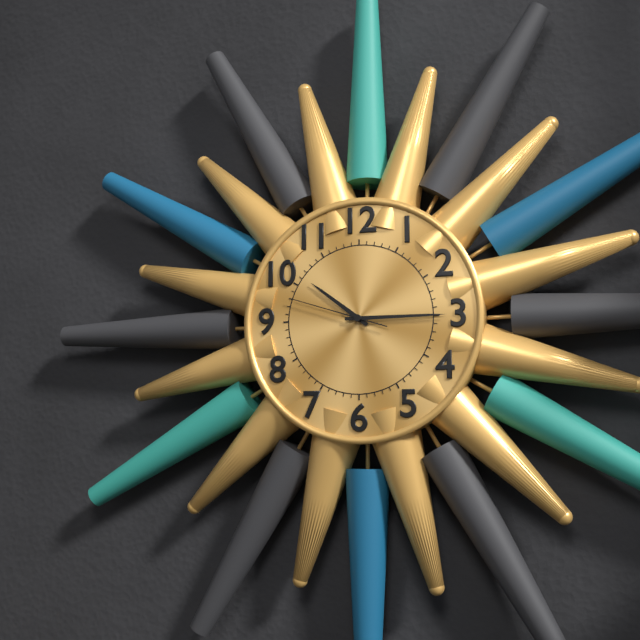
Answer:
10,15,48
